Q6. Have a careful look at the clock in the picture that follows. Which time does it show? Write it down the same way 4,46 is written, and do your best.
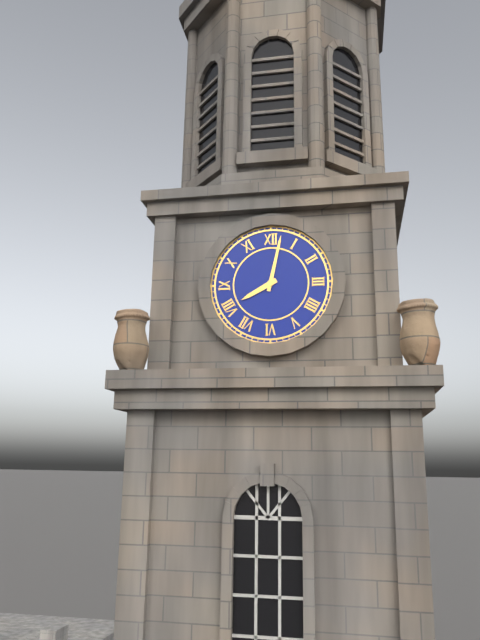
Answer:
8,02
